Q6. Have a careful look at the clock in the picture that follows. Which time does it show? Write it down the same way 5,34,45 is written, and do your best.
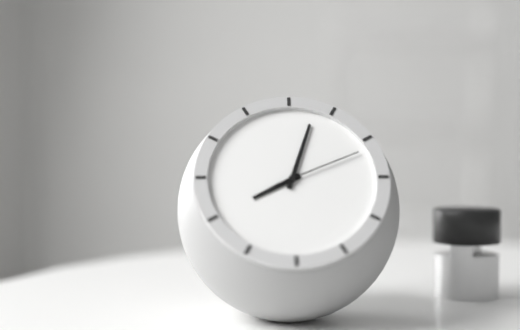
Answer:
8,03,11
